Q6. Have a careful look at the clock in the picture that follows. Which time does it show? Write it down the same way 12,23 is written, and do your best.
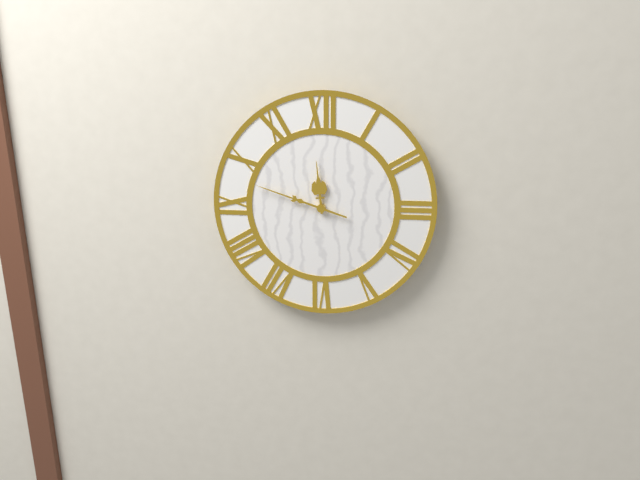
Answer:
11,48
